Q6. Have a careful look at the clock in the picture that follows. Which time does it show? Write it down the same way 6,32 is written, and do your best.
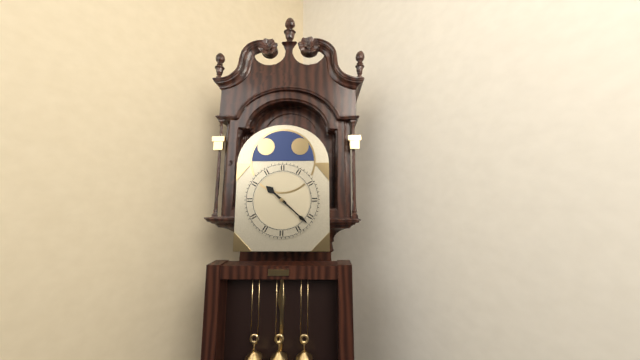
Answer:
10,22
